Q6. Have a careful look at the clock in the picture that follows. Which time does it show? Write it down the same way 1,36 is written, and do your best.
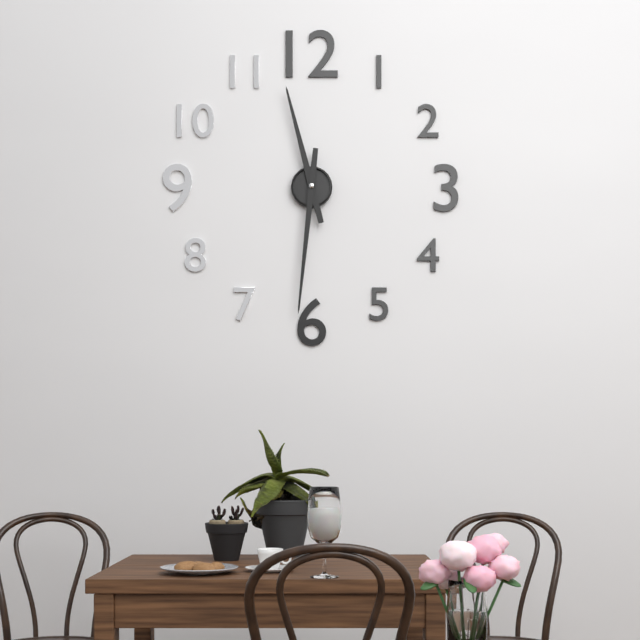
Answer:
11,31
